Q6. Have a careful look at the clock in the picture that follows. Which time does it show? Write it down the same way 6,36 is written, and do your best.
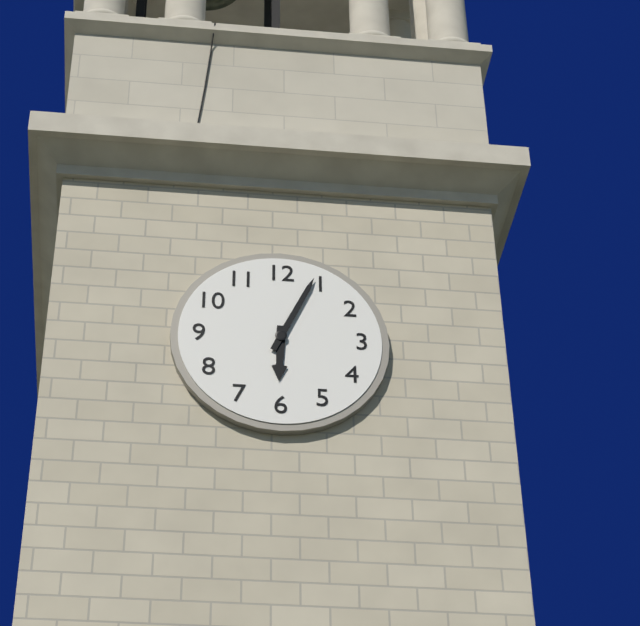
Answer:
6,04
